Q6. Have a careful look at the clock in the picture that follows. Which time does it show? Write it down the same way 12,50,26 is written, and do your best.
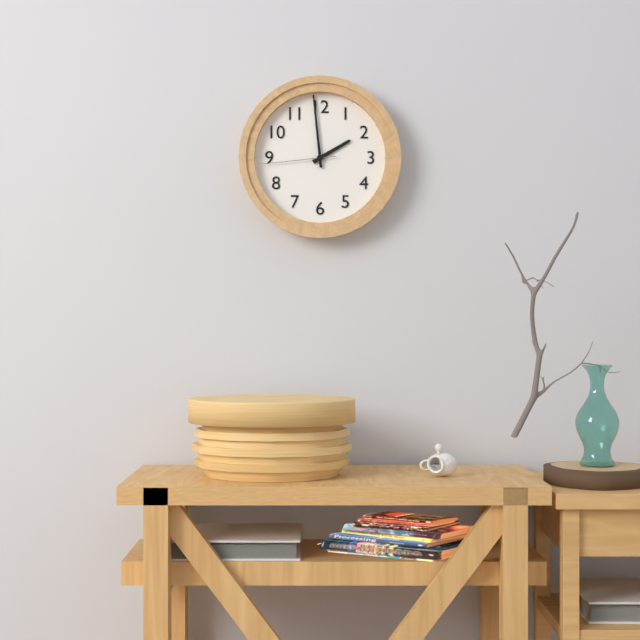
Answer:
1,59,44
